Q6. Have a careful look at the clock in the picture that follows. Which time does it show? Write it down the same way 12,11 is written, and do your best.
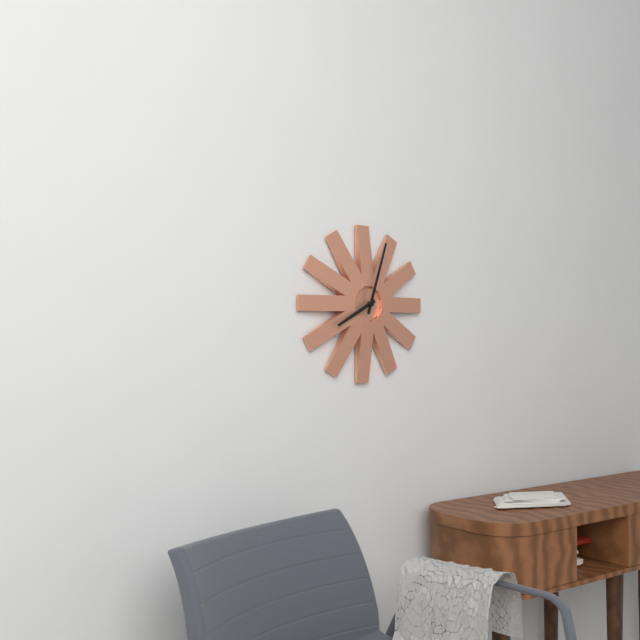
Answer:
8,03
